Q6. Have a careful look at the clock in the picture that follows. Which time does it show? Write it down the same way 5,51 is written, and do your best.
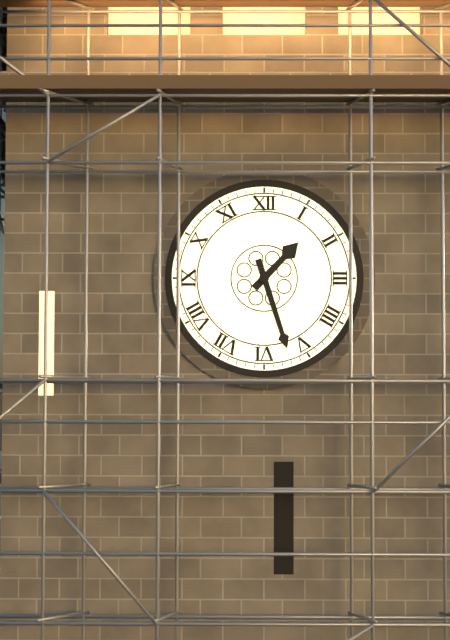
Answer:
1,27
